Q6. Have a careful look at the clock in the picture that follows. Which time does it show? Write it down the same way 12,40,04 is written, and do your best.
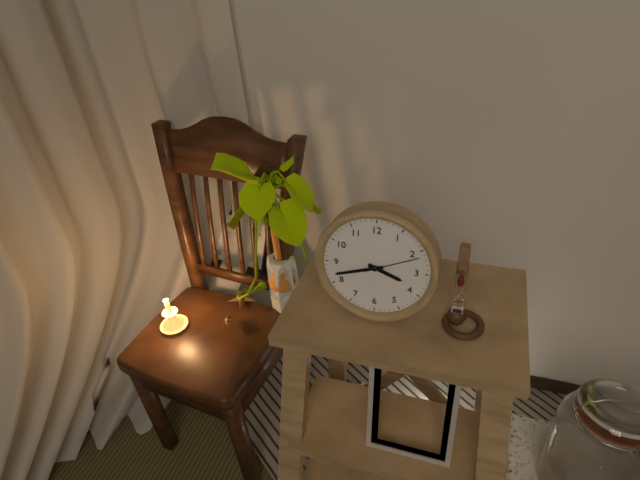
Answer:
3,42,11
